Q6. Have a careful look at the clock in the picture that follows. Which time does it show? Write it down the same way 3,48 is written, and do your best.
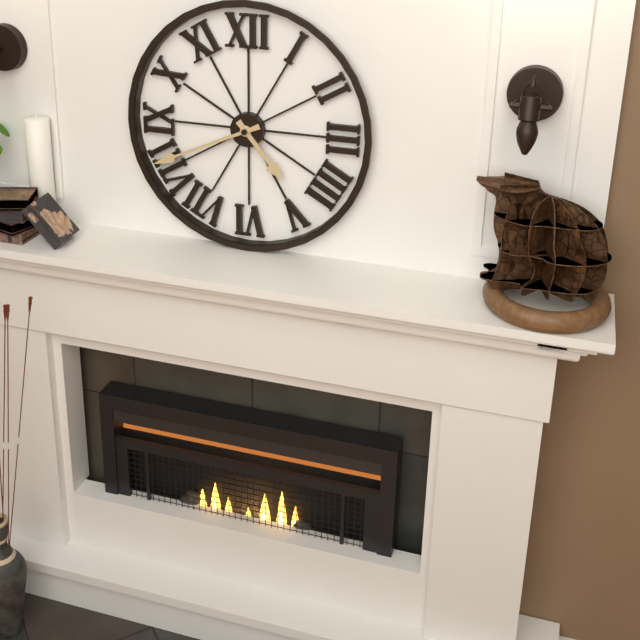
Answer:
4,41
